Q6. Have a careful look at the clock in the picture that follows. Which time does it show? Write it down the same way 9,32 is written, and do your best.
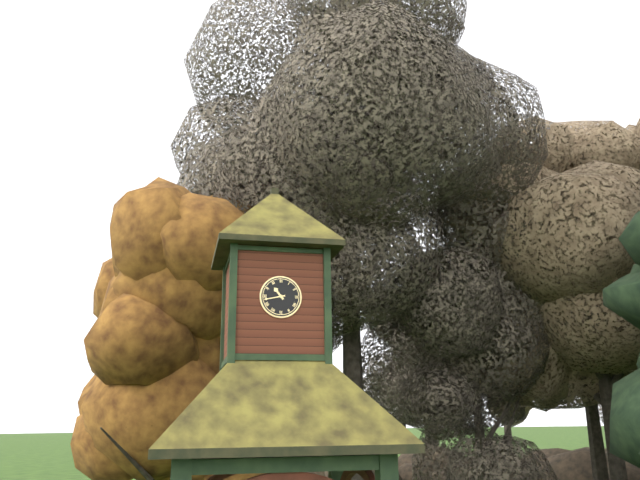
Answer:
10,43
